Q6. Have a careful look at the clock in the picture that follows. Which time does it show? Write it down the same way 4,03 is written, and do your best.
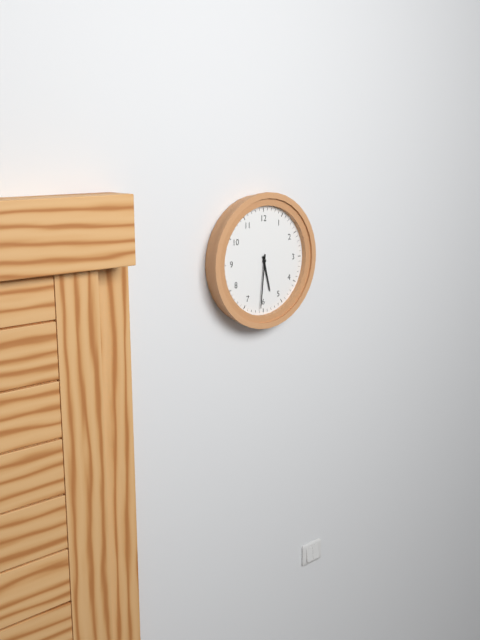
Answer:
5,31
